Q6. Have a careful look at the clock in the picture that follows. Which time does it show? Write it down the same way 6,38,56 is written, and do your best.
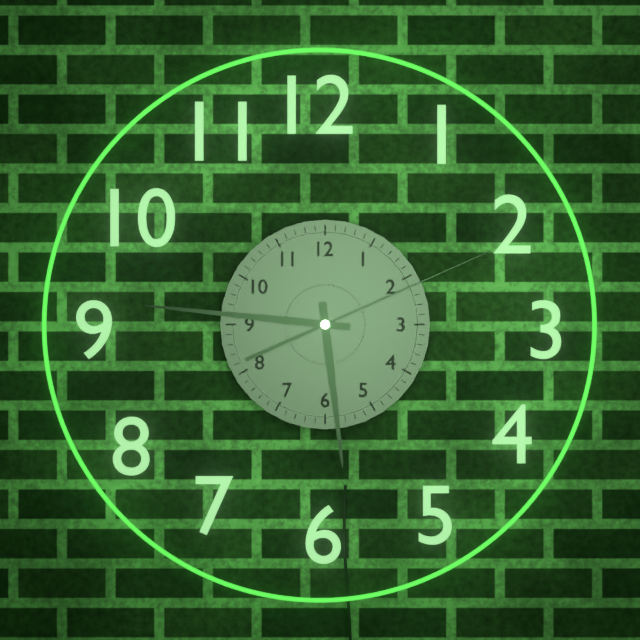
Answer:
5,46,11
